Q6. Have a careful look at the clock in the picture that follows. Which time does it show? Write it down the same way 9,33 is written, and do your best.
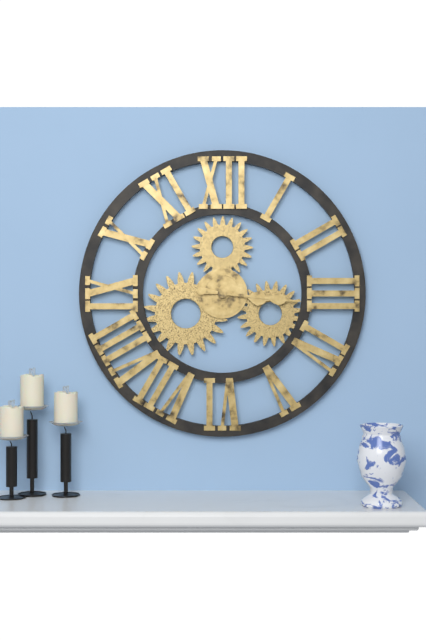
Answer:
3,16
